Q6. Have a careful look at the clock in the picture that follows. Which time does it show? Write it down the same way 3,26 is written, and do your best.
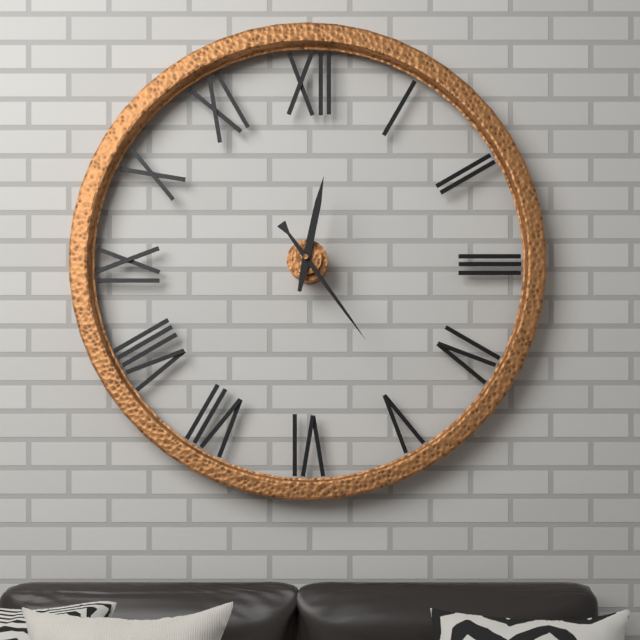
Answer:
12,24
